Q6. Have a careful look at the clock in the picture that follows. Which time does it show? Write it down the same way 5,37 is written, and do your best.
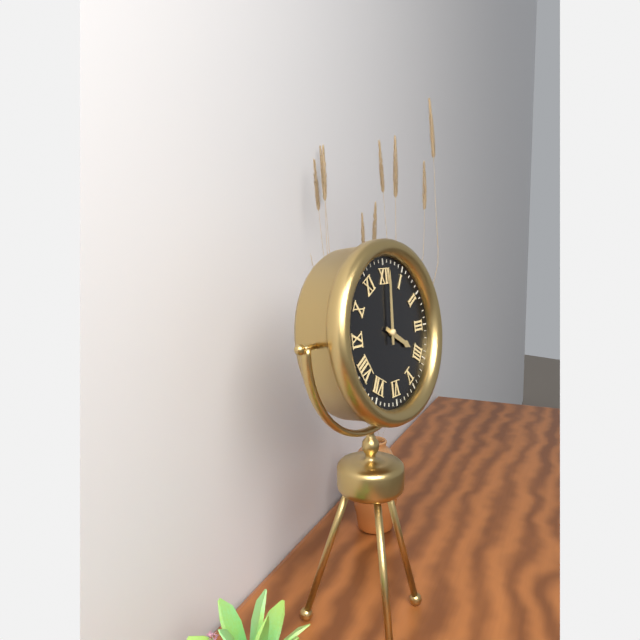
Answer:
4,01
